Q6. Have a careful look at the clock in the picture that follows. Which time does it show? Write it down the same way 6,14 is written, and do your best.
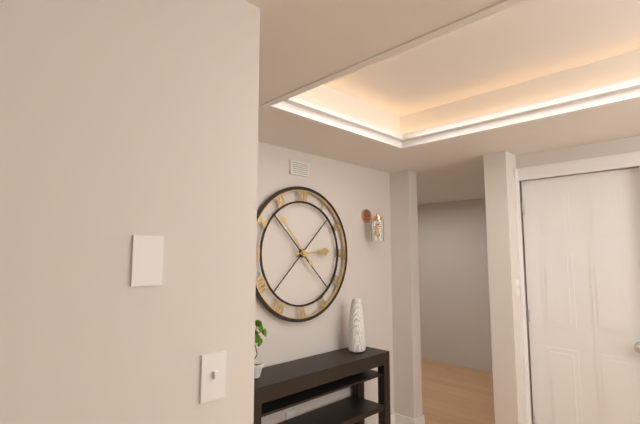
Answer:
2,53
